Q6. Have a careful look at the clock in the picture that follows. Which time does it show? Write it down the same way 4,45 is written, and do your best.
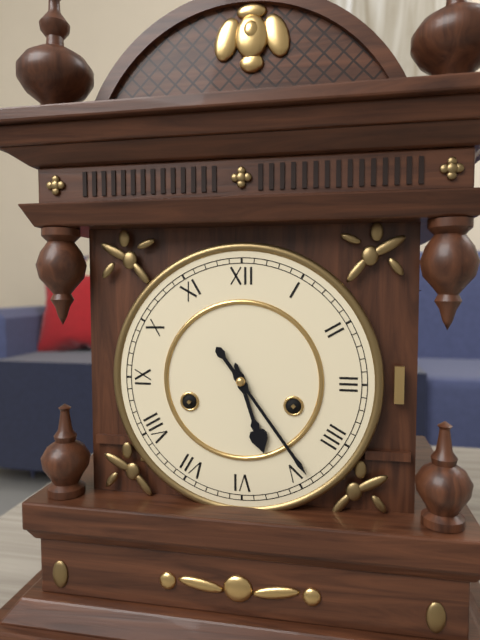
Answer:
5,24
